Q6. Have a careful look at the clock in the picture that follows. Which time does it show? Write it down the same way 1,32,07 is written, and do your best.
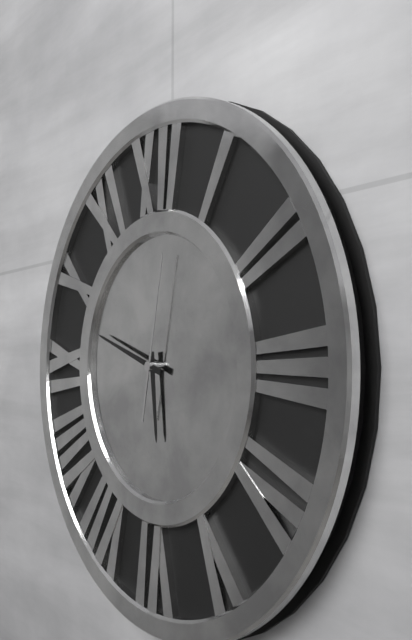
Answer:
5,48,02
